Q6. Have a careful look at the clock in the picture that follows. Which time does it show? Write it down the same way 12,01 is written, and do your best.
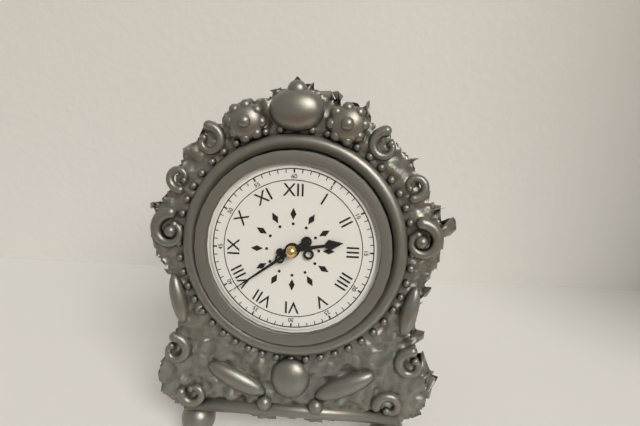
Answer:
2,39
